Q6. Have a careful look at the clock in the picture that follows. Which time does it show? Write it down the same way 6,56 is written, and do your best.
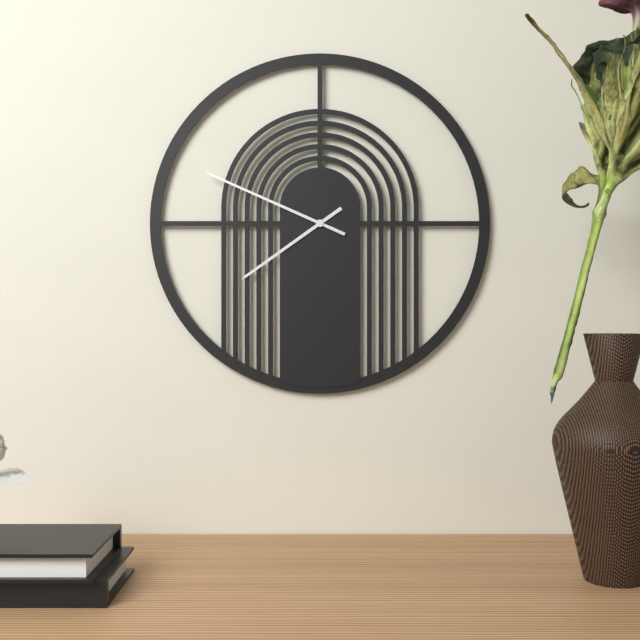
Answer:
7,49
